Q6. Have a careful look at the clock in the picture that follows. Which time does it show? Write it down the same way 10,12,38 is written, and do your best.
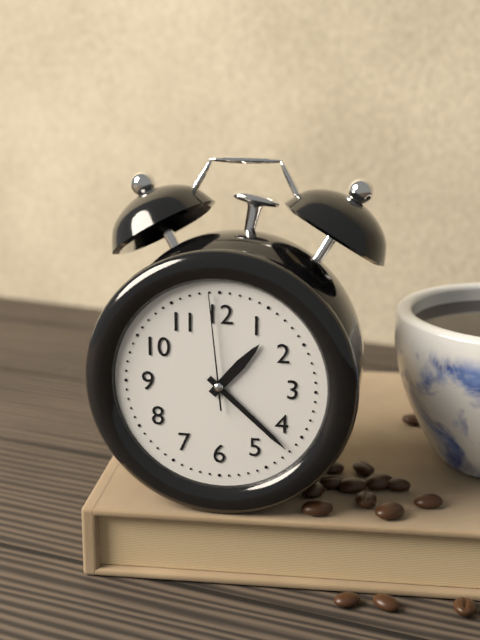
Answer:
1,22,59
